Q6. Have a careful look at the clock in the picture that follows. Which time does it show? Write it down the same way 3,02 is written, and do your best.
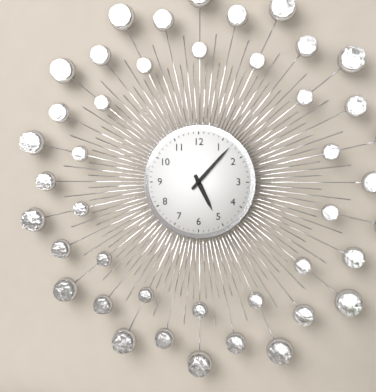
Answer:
5,07
